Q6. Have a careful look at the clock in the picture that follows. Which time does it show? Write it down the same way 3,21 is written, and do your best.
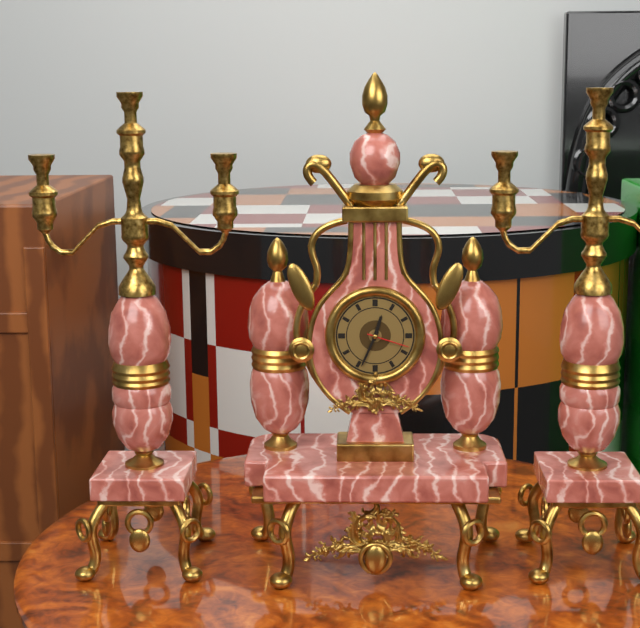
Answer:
12,34
